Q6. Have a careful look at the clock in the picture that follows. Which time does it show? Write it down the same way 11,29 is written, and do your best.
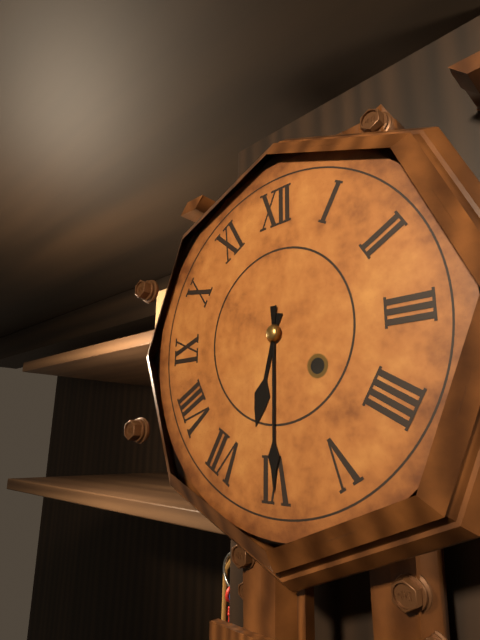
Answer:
6,30
